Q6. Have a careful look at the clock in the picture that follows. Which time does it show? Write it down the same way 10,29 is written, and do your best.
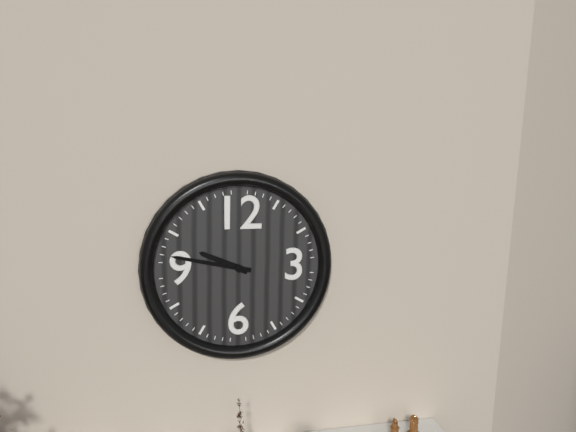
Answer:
9,47
